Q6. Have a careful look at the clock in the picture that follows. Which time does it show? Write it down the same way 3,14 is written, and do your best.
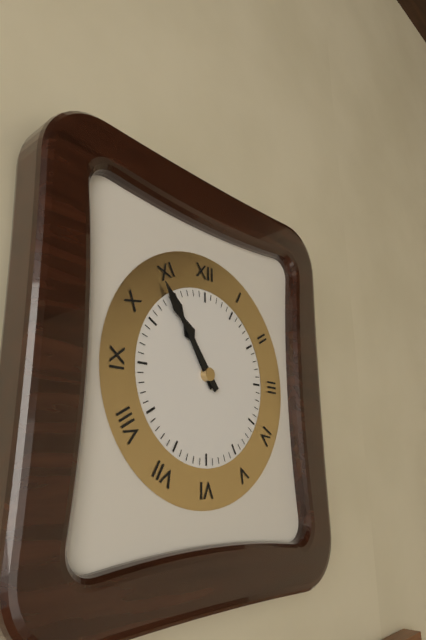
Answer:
10,54
